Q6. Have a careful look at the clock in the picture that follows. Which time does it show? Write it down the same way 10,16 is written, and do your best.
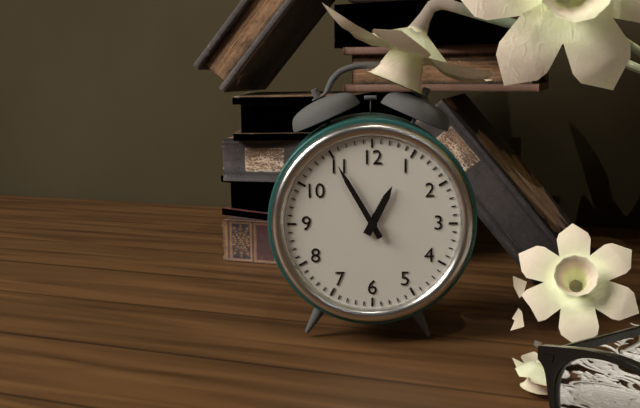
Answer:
12,55
